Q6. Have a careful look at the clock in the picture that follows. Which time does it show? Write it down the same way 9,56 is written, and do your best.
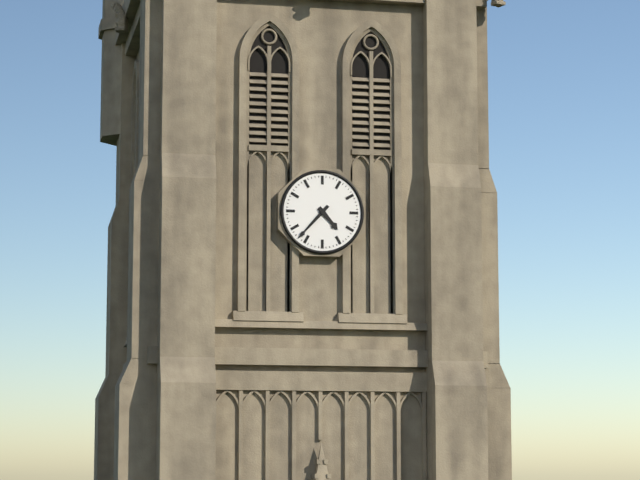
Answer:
4,37
